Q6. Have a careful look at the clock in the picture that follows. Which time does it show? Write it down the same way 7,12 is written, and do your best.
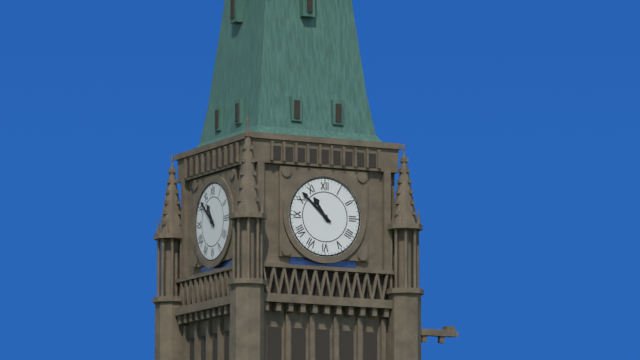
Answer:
10,52
